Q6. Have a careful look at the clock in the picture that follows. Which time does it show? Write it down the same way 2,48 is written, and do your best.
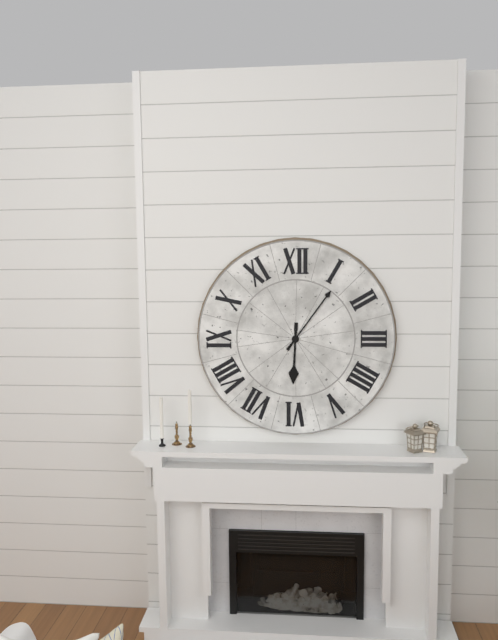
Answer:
6,06
